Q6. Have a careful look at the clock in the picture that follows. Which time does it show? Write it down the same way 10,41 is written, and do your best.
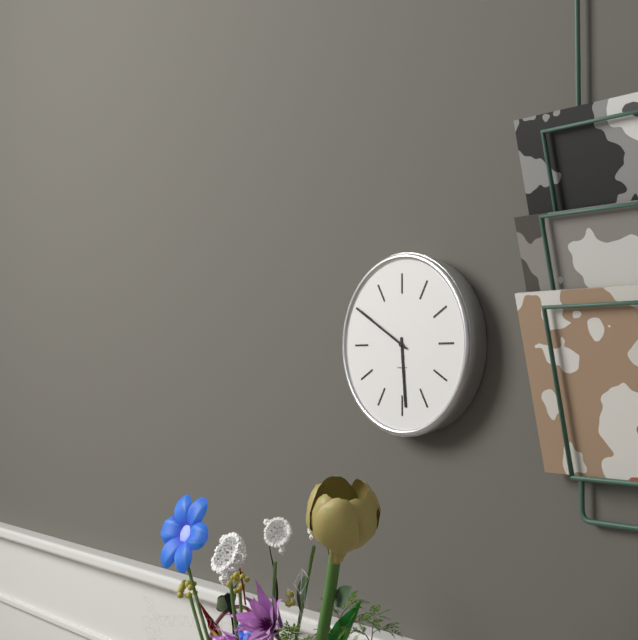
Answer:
5,50
